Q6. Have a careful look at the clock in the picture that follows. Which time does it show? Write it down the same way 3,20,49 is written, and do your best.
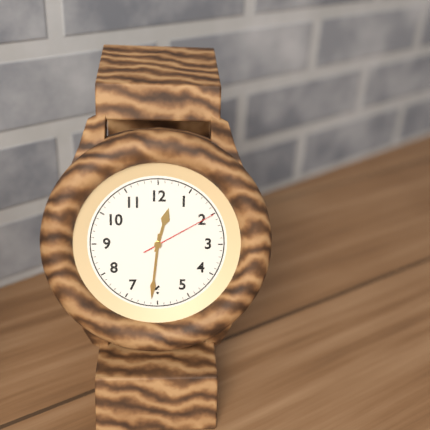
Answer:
12,31,10
